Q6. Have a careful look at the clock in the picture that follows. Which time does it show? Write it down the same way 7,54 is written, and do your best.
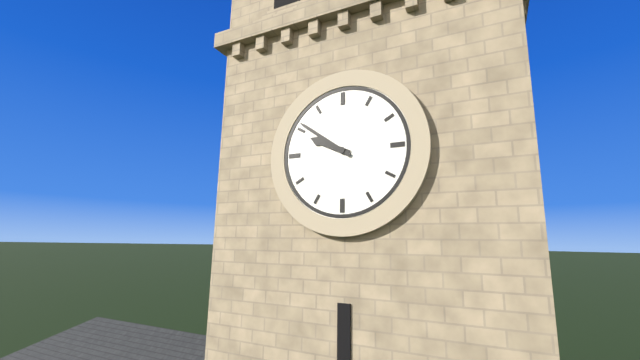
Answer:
9,51
